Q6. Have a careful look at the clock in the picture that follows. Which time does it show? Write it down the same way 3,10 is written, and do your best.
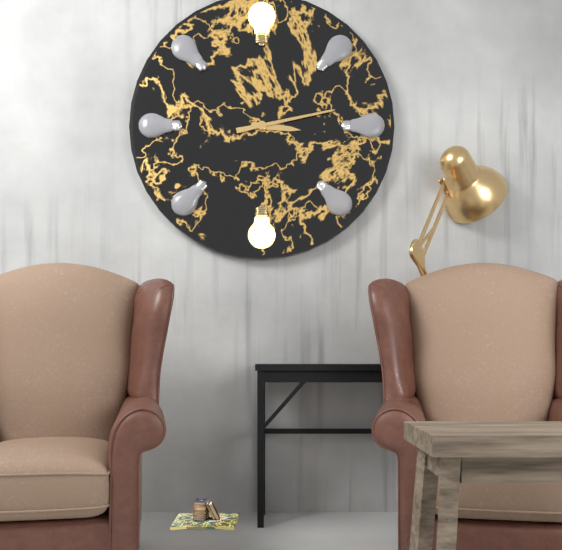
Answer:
3,13
